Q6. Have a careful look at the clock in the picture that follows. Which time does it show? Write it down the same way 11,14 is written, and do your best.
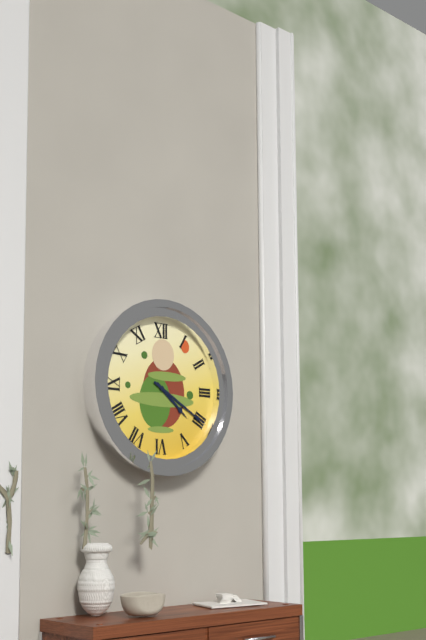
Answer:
4,20
